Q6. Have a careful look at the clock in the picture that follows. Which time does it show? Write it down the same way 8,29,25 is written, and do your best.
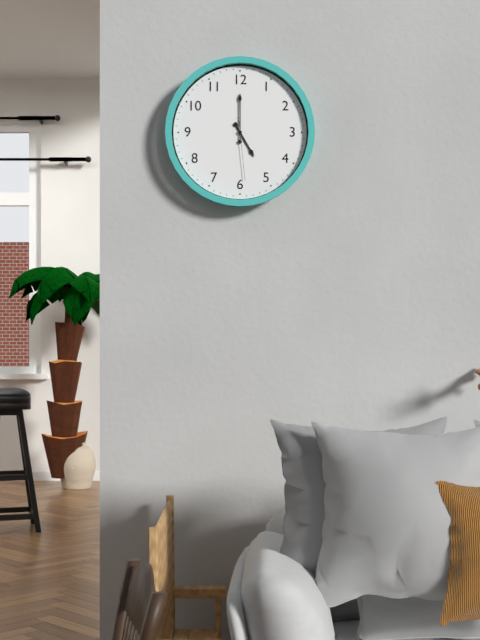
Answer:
5,00,29
